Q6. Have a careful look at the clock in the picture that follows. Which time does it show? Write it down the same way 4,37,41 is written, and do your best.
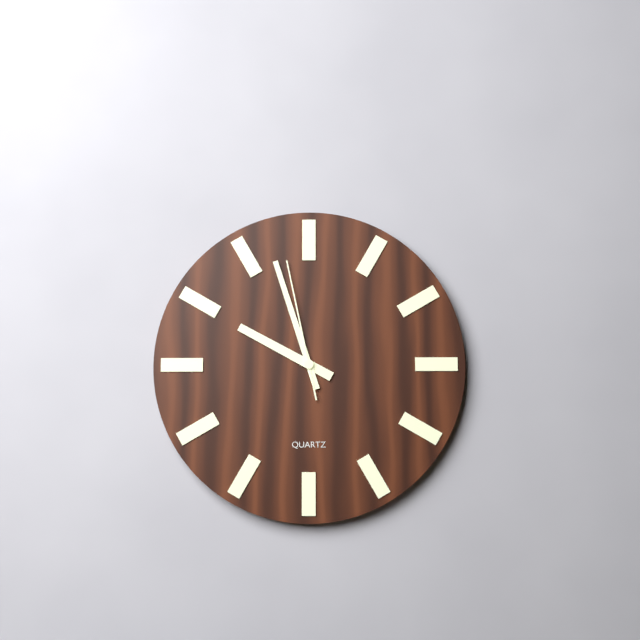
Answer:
9,57,58
